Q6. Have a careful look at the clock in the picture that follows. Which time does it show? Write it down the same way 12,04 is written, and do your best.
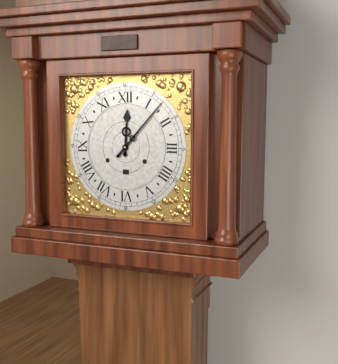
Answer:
12,07
